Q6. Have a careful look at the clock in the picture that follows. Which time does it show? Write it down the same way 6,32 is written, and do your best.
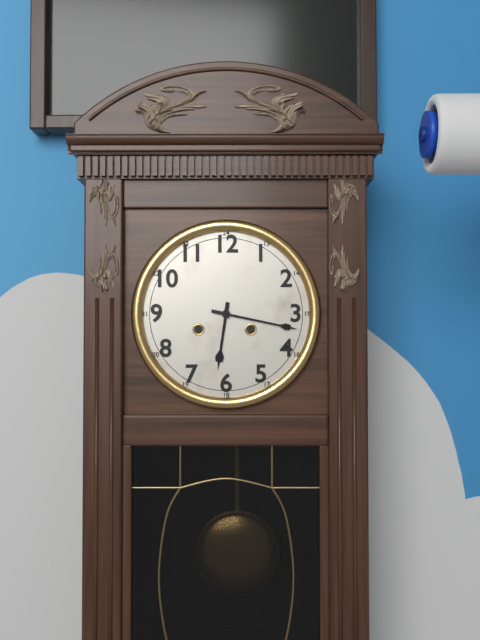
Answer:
6,17
